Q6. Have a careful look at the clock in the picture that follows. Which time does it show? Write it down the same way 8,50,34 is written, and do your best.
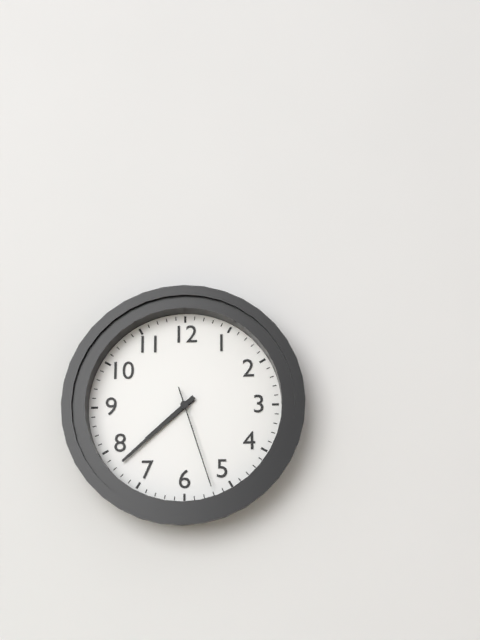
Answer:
7,38,27
